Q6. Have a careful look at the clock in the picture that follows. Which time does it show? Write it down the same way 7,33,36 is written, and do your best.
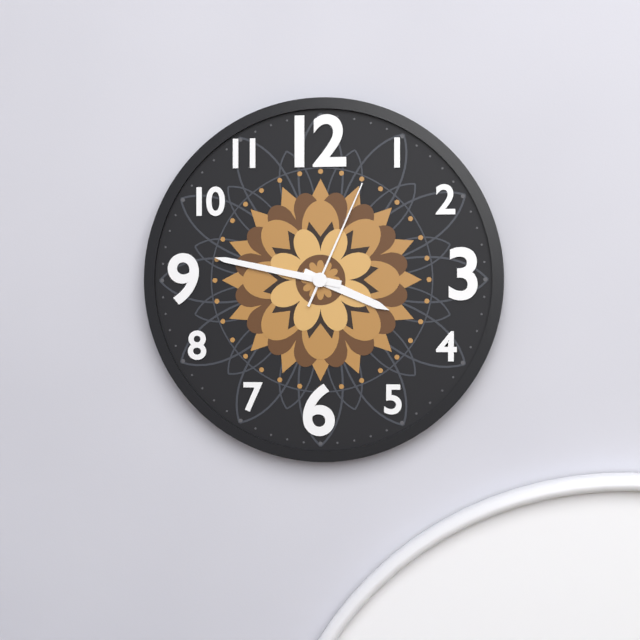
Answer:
3,47,04
